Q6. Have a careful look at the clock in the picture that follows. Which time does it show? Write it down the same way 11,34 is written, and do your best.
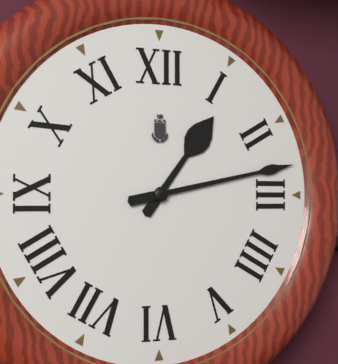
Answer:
1,13
